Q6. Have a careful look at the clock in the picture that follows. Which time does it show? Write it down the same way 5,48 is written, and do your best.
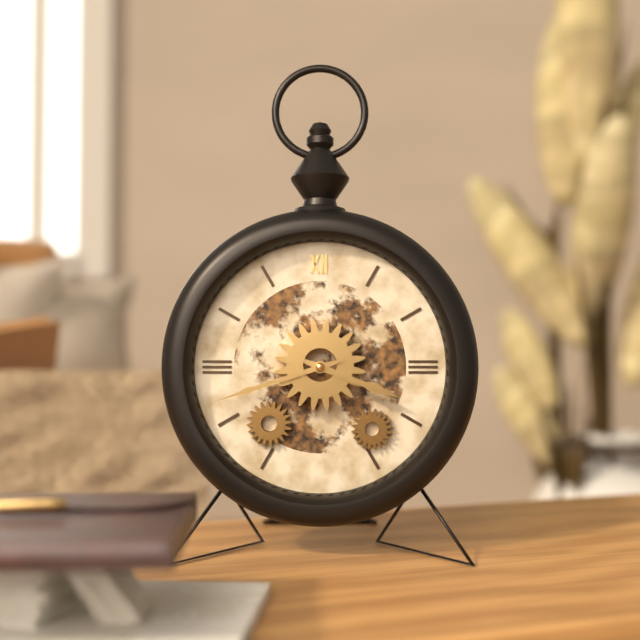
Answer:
3,42
